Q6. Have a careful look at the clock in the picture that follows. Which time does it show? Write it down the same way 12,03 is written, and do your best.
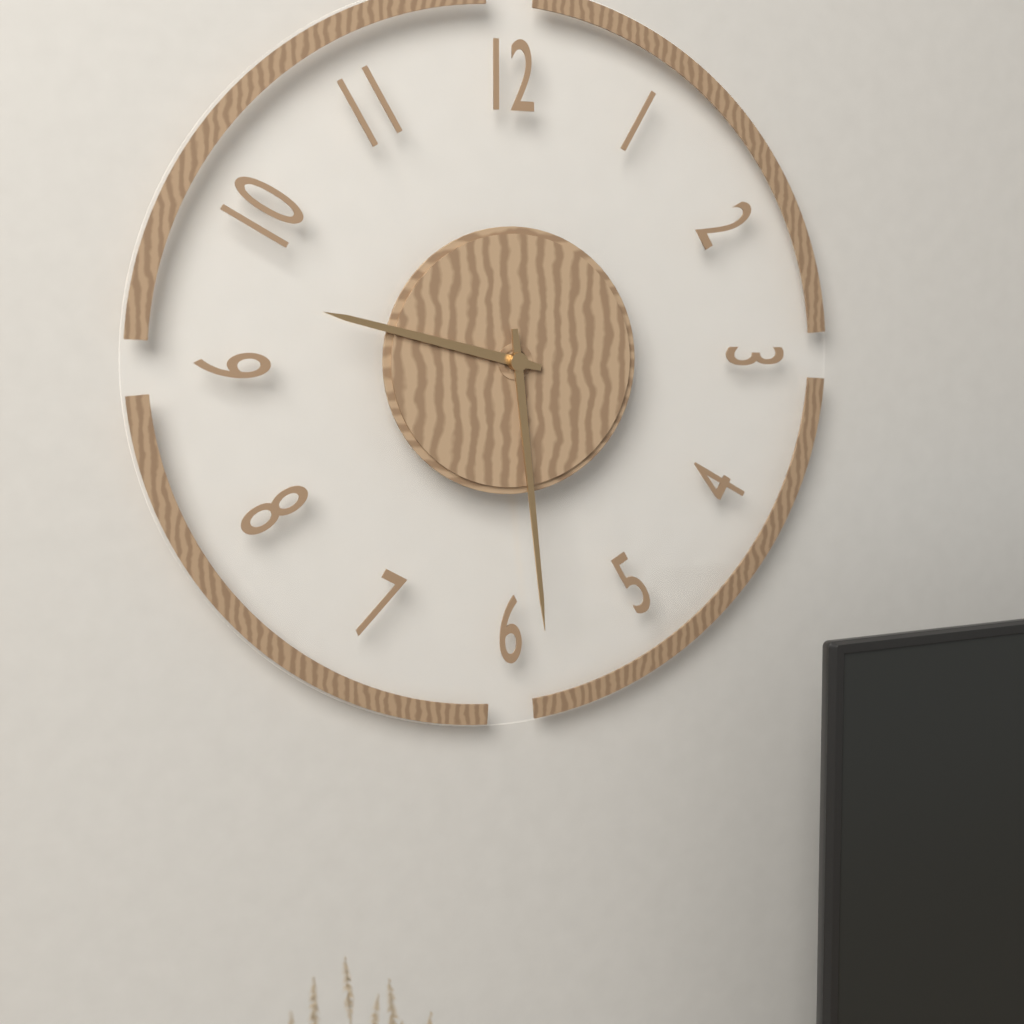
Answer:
9,29
